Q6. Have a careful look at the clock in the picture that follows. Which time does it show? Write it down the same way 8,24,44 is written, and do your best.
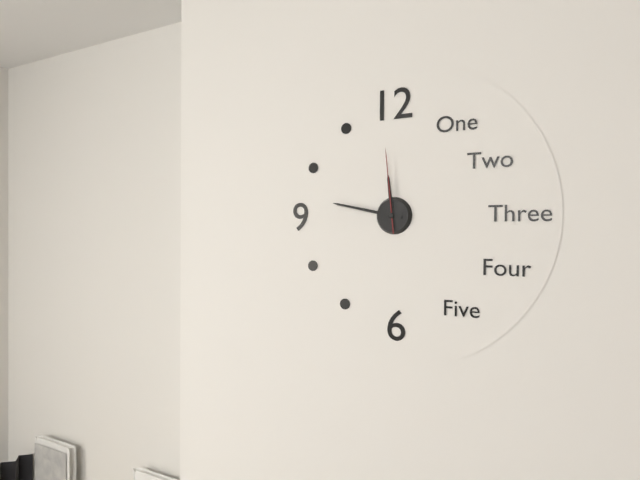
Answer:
11,47,59
